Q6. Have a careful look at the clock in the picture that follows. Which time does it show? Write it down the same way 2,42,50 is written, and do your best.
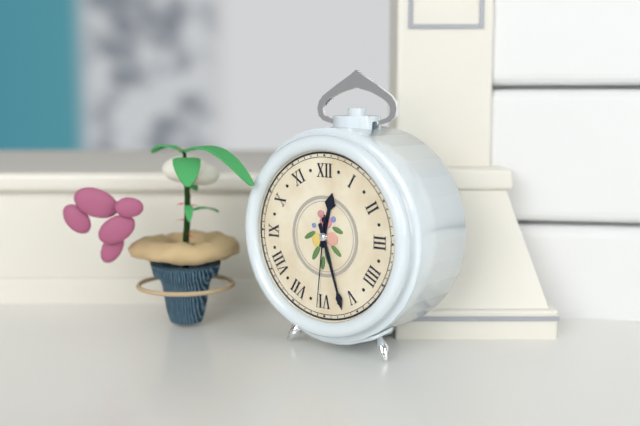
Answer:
12,27,31
